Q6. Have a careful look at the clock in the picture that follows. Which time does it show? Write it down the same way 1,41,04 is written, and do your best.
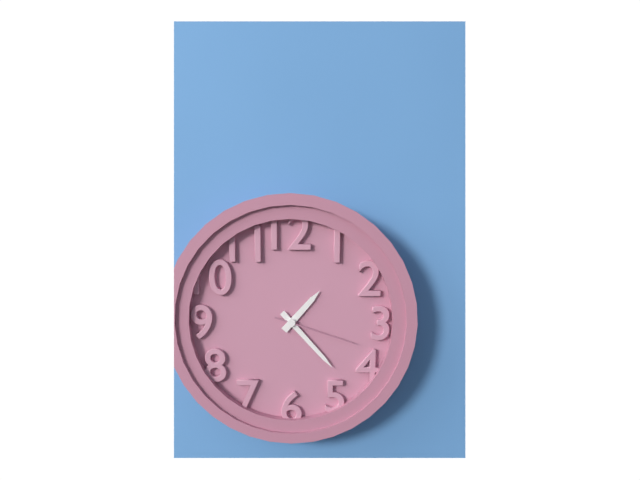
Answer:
1,23,18
